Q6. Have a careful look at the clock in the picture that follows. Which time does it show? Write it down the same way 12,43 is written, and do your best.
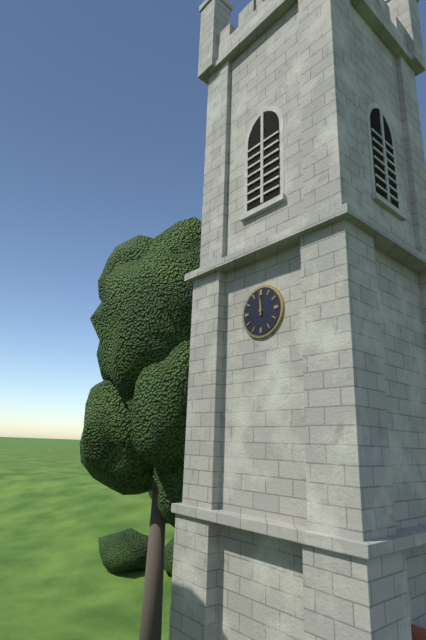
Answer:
11,59
